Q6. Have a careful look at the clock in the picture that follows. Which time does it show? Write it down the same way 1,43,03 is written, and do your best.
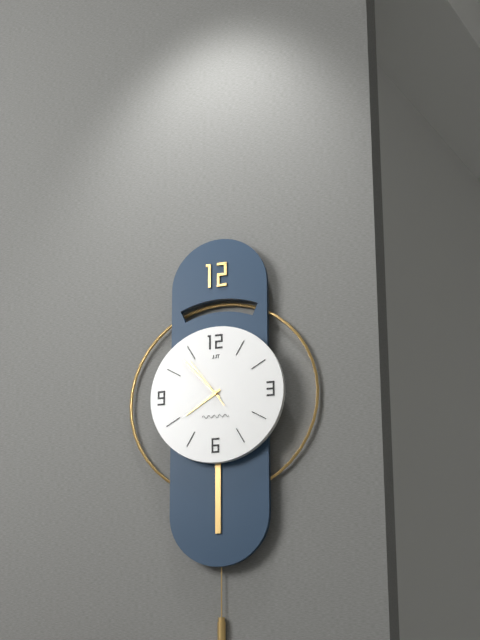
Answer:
7,53,54
